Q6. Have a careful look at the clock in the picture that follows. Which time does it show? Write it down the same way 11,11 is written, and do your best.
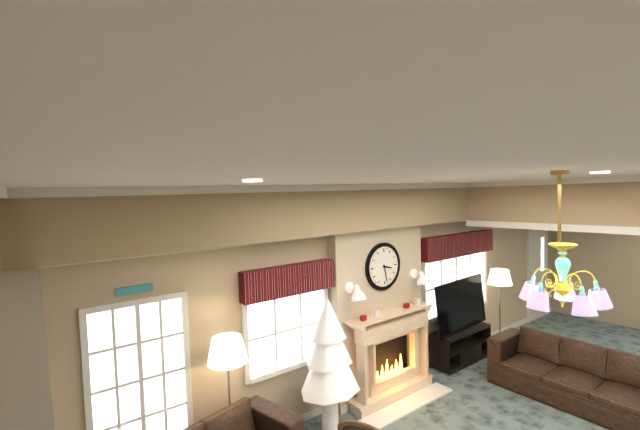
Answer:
3,28
